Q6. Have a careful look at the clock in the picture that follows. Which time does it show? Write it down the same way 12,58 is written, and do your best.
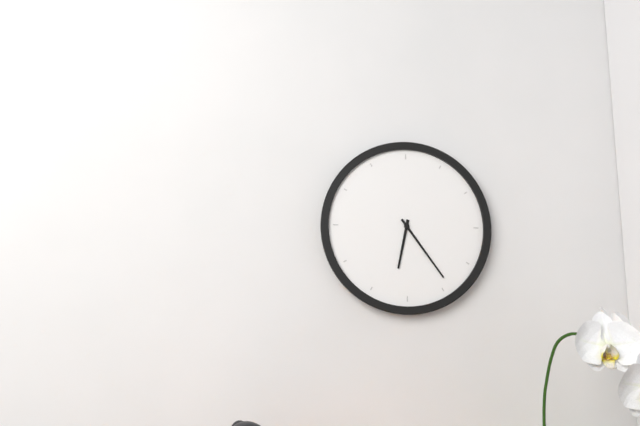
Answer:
6,24
